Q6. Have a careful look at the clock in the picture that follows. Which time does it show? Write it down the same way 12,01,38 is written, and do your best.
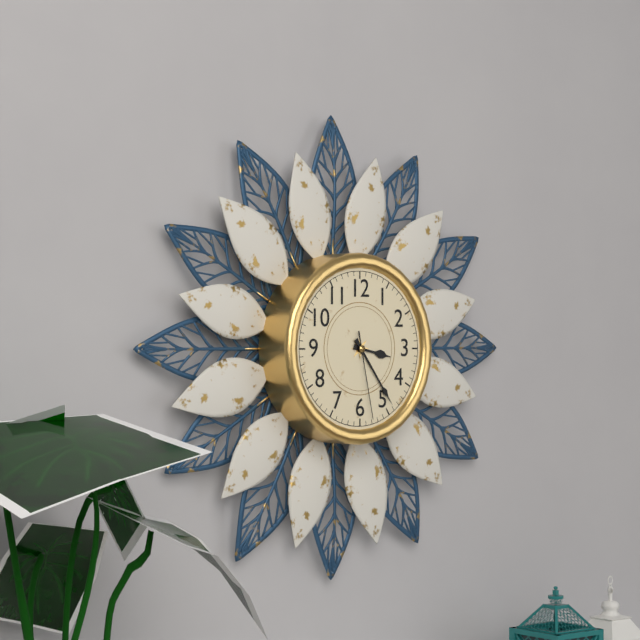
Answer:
3,24,28
